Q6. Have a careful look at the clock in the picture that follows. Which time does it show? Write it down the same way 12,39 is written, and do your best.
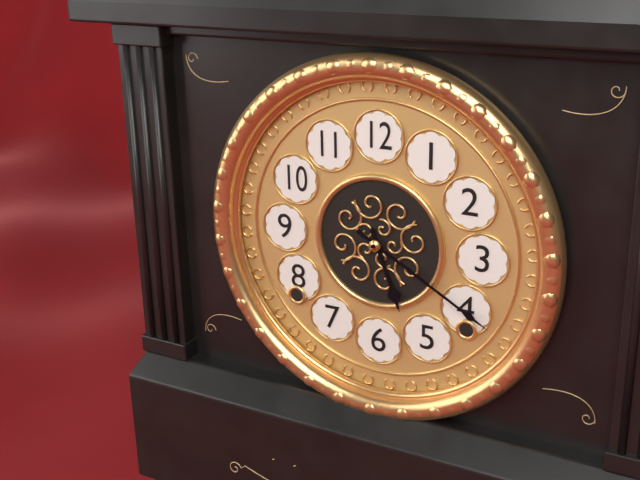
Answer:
5,20
